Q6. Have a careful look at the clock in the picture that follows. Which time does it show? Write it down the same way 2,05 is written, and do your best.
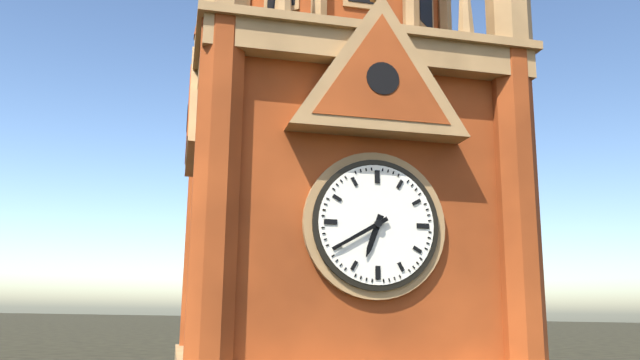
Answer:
6,40
